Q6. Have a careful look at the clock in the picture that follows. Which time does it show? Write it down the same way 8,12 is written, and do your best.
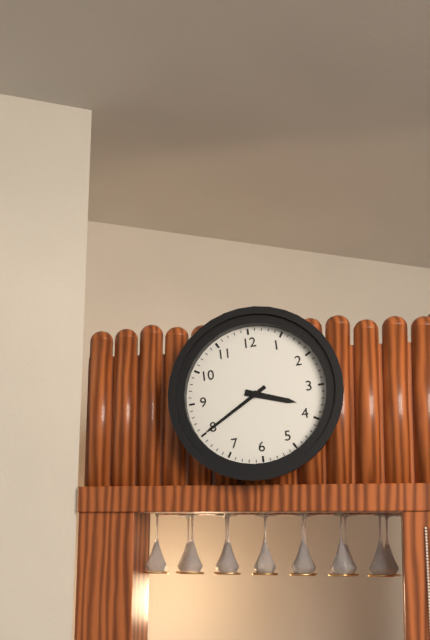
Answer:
3,40
